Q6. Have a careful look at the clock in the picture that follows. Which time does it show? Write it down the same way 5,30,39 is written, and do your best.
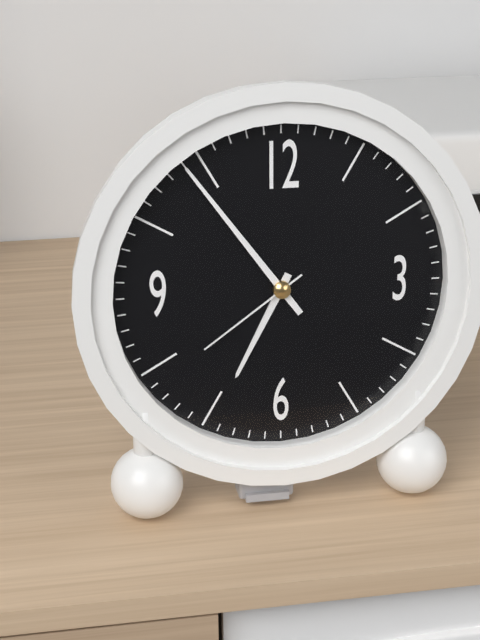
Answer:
6,54,39
